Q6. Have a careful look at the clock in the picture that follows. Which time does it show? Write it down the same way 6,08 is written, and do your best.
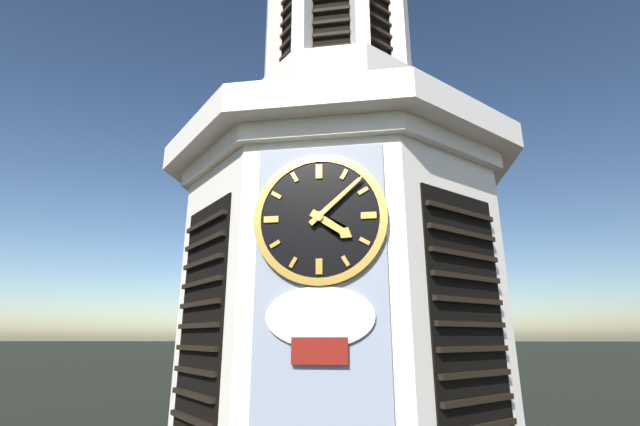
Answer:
4,08
